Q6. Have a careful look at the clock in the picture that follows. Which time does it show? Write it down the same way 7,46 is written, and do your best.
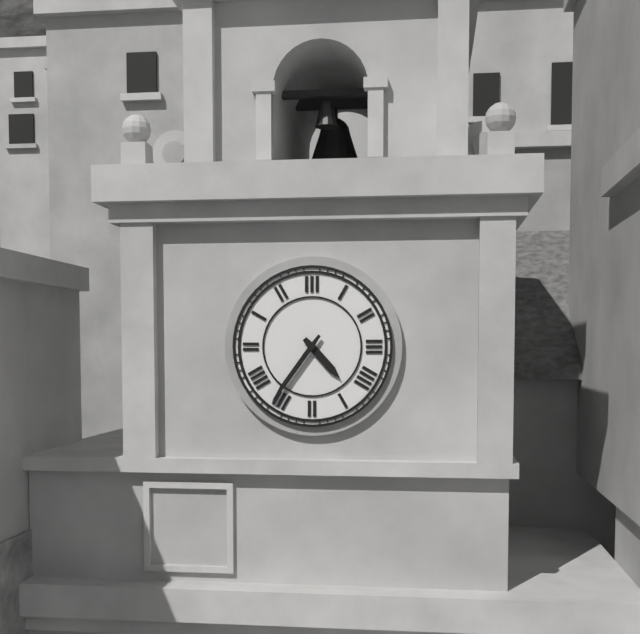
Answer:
4,36
